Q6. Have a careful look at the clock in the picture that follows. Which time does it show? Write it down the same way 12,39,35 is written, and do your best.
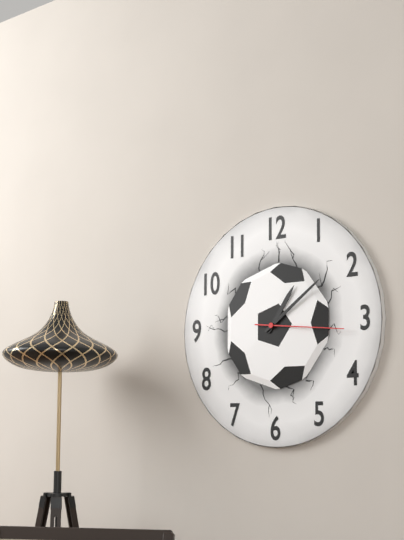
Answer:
1,09,16
